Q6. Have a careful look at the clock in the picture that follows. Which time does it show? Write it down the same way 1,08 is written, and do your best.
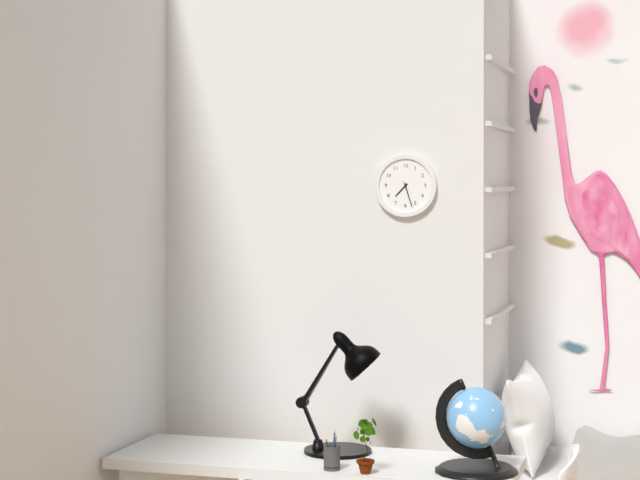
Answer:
7,27
